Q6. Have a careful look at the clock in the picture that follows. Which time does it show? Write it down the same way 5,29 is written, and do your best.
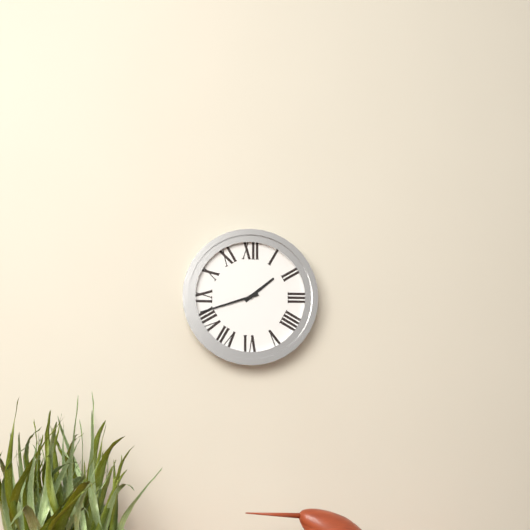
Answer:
1,42
